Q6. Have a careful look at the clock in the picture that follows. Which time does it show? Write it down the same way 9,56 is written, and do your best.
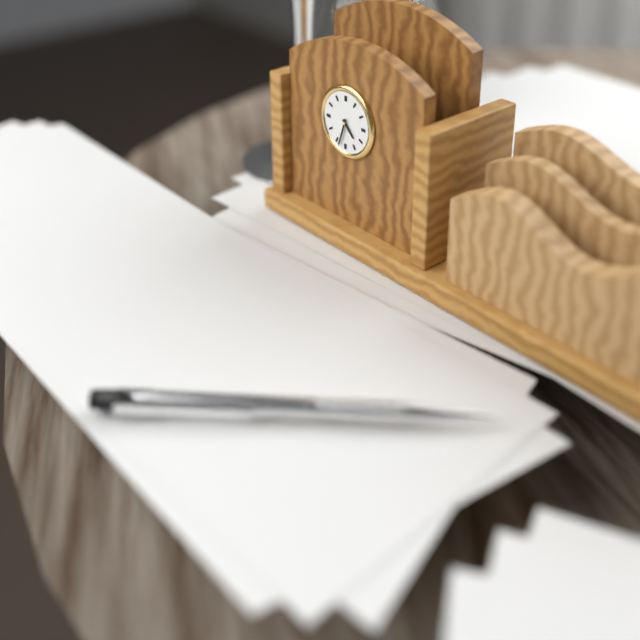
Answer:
4,33
